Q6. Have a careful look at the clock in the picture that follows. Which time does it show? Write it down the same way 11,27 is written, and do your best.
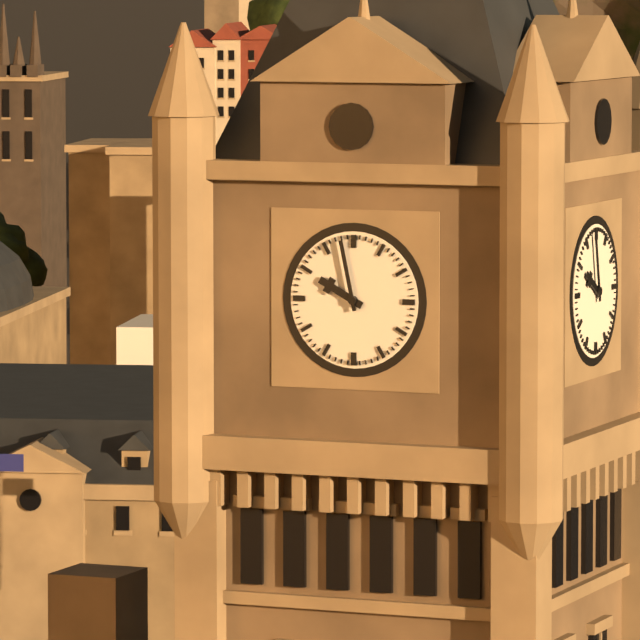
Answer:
9,58
